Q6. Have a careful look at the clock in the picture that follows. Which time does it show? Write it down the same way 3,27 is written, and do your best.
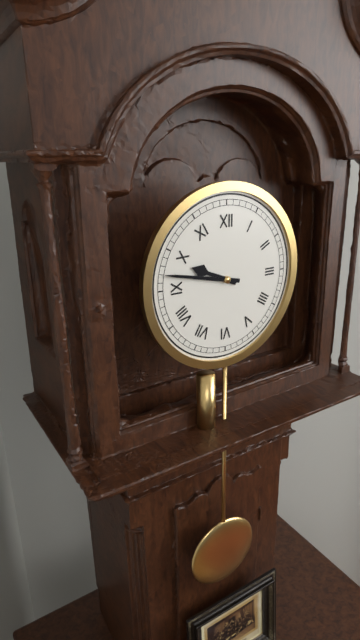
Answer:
9,47
